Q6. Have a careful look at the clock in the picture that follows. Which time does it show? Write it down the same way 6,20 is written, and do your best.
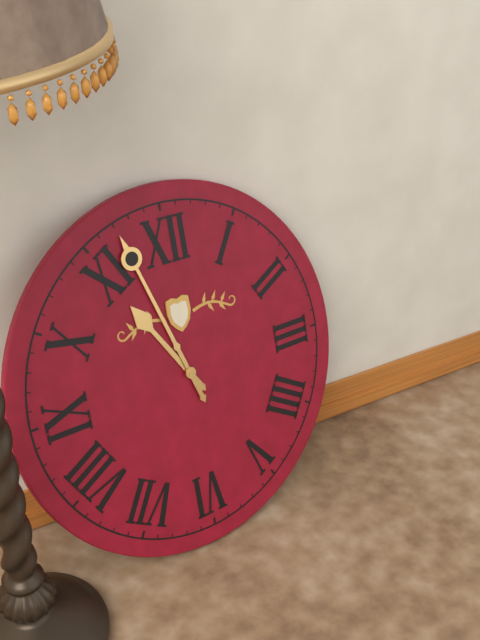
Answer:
10,57
